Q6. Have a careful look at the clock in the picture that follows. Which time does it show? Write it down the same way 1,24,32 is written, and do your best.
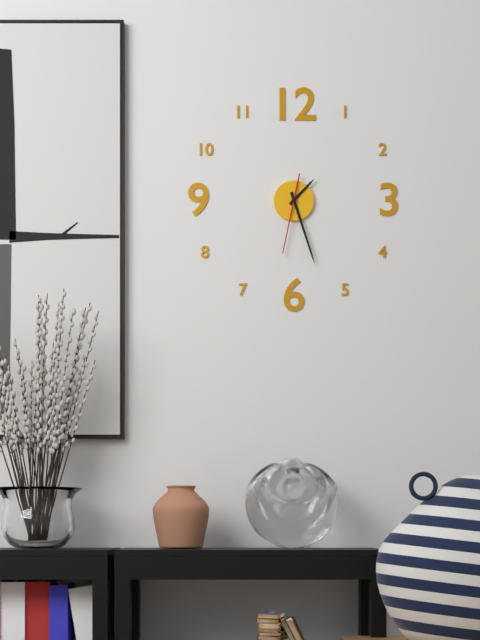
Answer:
1,27,32
